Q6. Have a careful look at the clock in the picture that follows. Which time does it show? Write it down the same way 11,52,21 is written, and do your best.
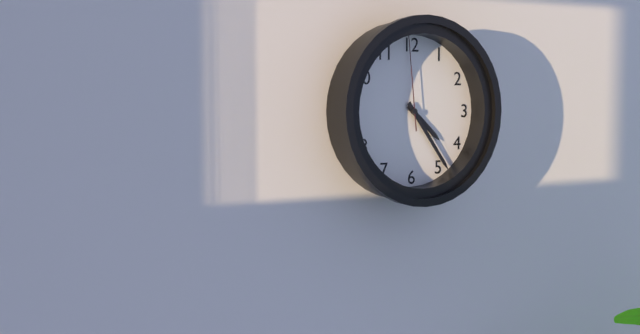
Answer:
4,24,59
